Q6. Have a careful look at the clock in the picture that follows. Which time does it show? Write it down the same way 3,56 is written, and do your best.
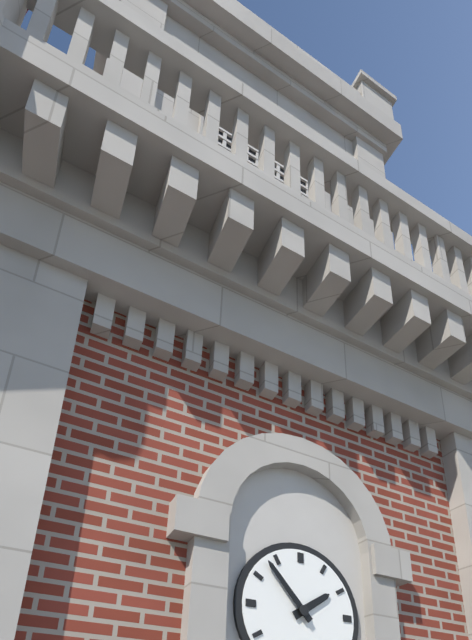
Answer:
1,53
